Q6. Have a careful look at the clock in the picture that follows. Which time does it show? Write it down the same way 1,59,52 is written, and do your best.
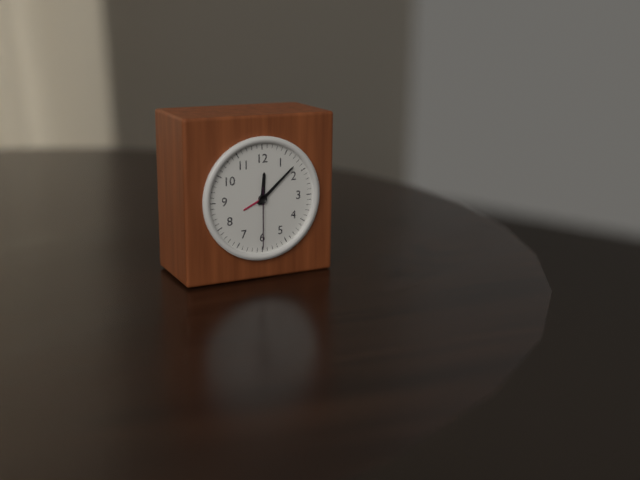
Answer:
12,08,30
